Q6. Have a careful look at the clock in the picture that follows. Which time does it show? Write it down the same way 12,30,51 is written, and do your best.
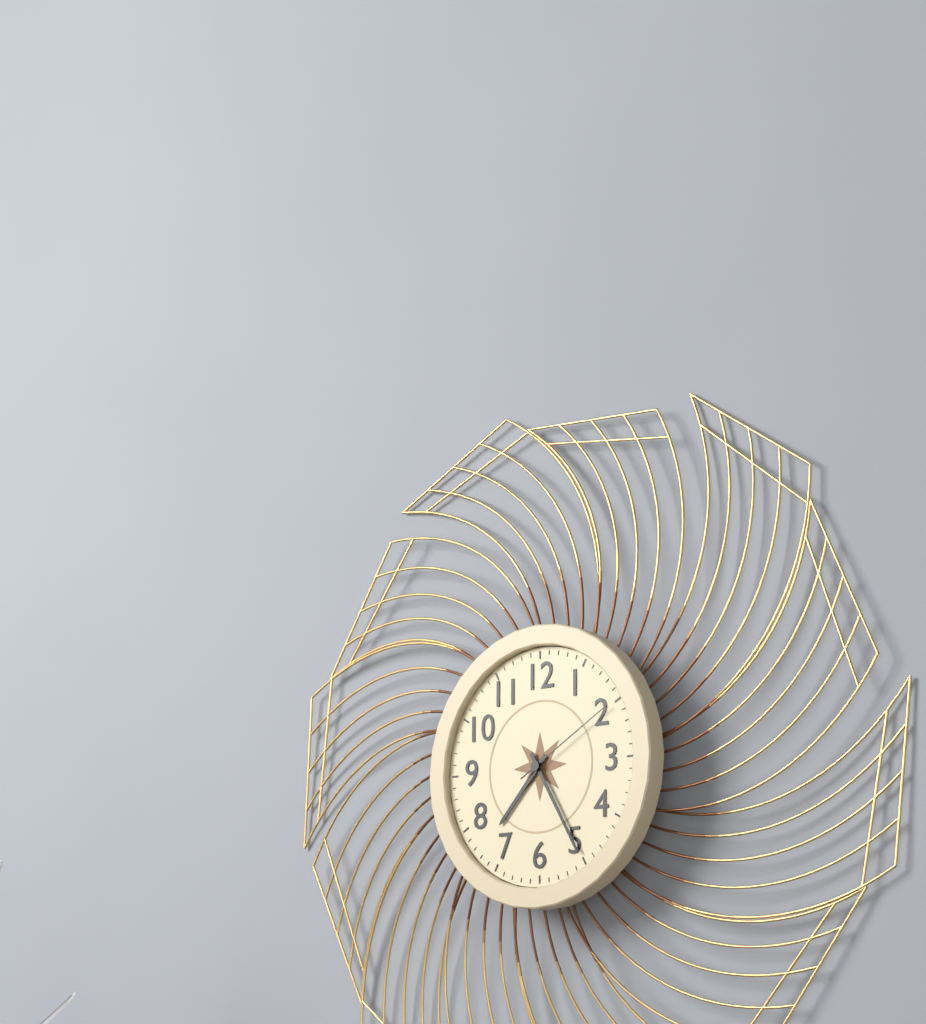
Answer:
7,25,10
